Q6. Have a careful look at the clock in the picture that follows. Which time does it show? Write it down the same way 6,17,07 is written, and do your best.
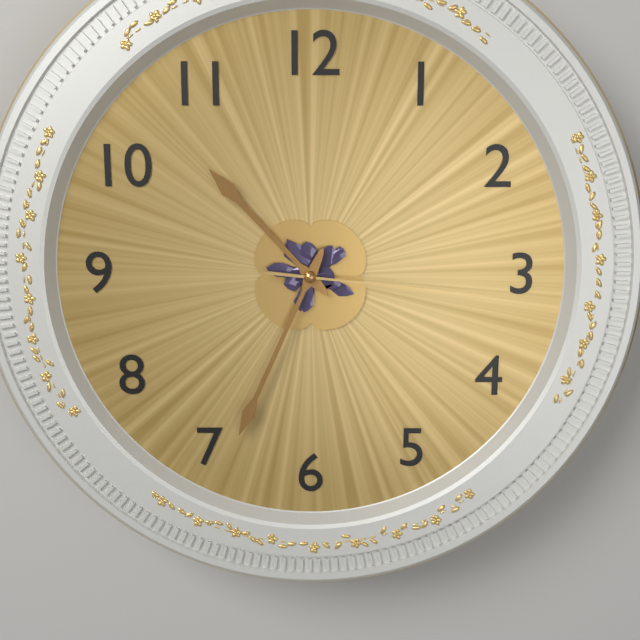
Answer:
10,34,16
